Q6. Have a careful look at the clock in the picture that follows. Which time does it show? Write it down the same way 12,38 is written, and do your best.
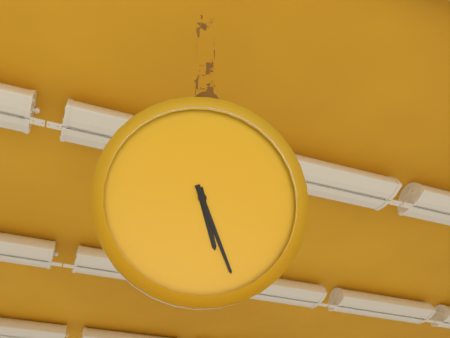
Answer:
5,26
